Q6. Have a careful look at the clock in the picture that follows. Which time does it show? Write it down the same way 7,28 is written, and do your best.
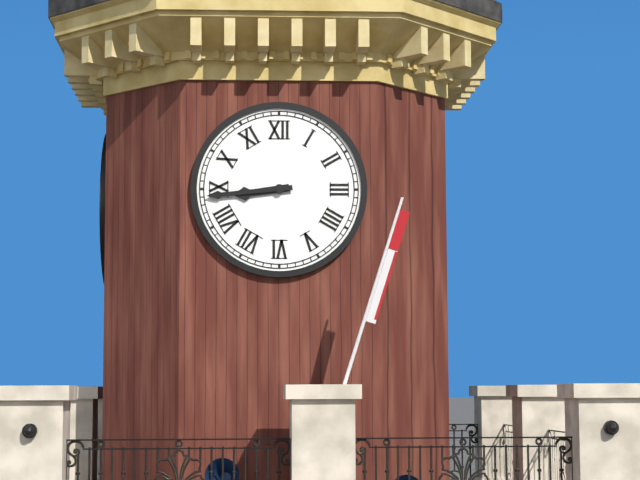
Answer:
8,44
